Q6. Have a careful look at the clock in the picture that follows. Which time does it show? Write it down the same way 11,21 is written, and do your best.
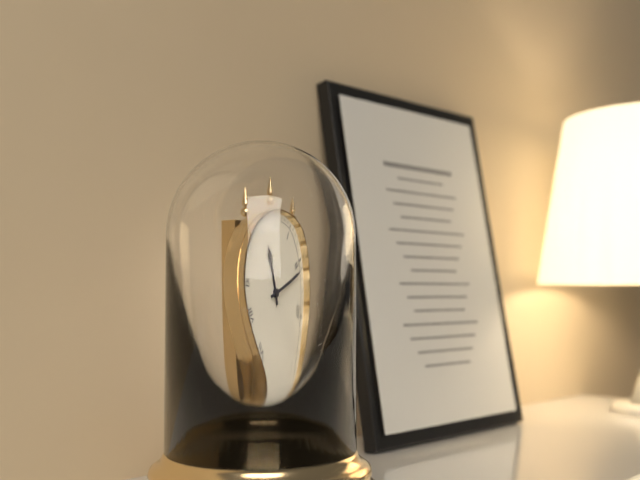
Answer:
11,11
